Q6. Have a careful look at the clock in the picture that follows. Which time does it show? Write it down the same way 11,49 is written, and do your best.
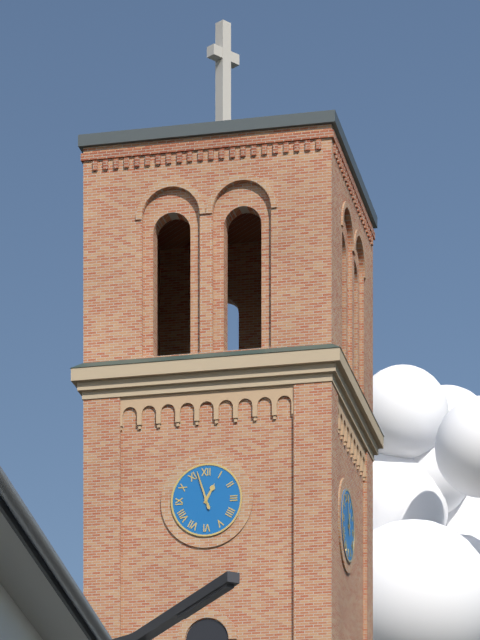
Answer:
12,57
